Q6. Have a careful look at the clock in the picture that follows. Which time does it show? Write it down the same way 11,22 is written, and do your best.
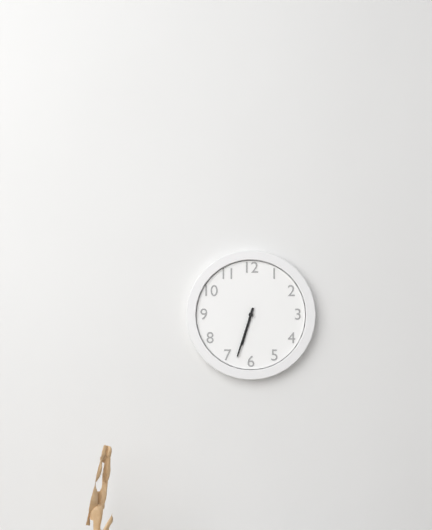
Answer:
6,33
